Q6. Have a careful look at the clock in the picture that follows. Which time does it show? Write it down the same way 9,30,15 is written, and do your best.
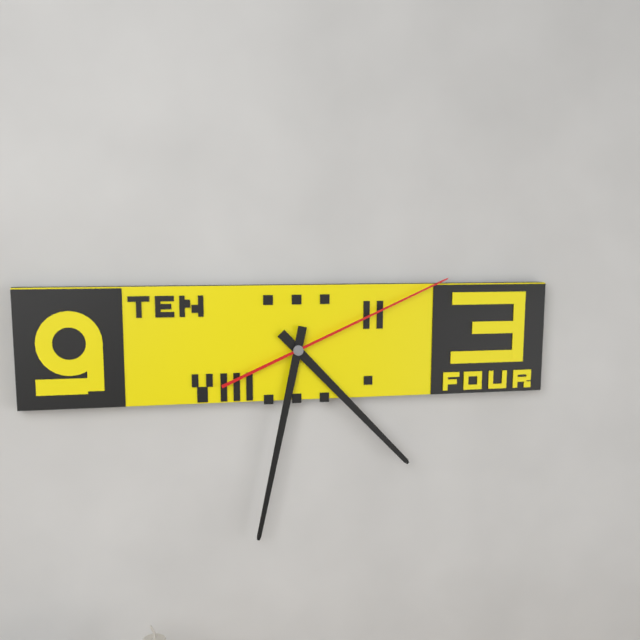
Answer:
4,32,11
